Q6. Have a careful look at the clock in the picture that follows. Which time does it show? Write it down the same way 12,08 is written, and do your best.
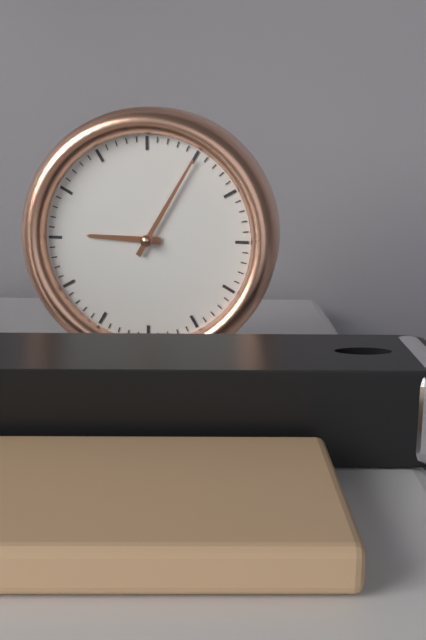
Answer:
9,05
